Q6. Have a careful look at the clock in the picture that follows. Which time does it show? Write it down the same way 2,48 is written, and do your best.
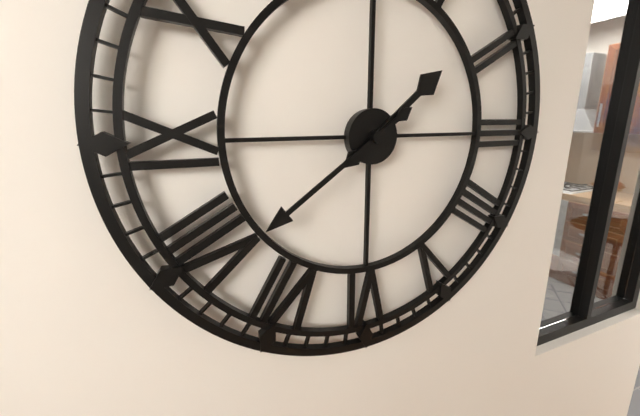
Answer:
1,39
